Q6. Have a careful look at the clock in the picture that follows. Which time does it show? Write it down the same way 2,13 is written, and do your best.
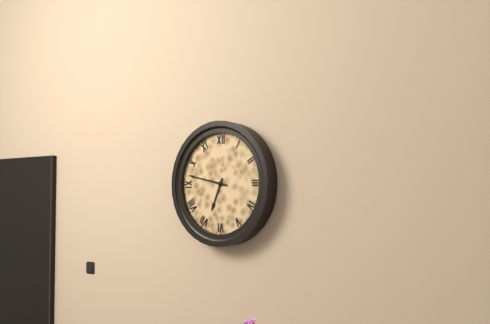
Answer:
6,47
